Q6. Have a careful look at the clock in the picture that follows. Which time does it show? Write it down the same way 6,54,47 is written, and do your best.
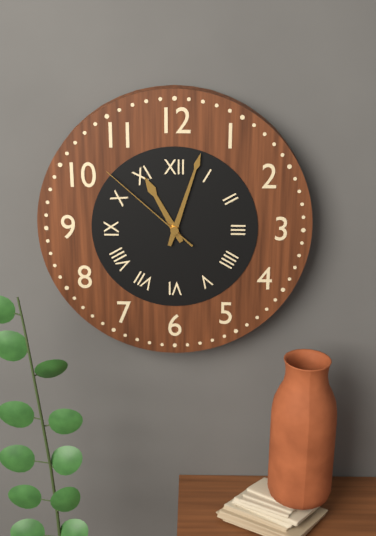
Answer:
11,03,52
